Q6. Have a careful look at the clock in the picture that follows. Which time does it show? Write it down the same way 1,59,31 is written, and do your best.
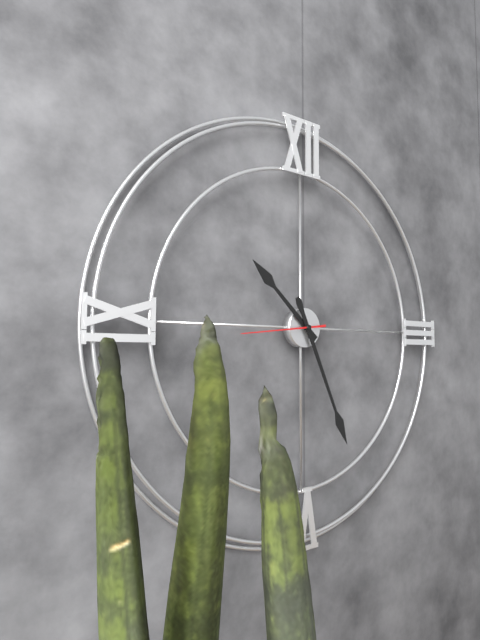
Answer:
10,26,44
